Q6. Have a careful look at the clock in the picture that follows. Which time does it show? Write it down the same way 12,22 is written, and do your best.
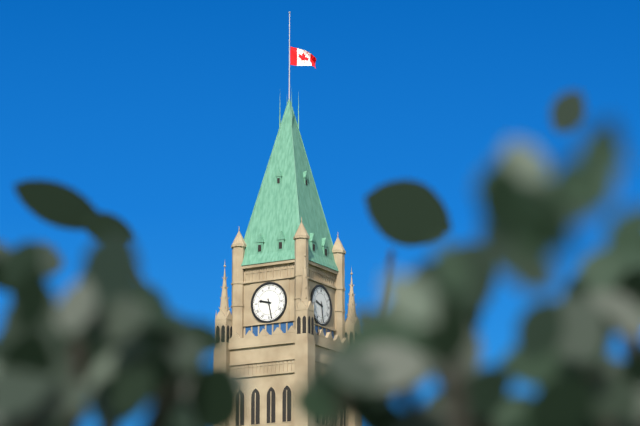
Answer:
9,28
